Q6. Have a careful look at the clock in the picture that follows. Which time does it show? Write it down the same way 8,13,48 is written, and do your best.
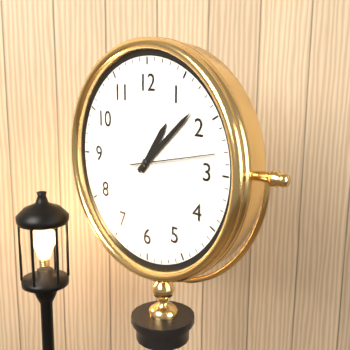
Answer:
1,08,13
